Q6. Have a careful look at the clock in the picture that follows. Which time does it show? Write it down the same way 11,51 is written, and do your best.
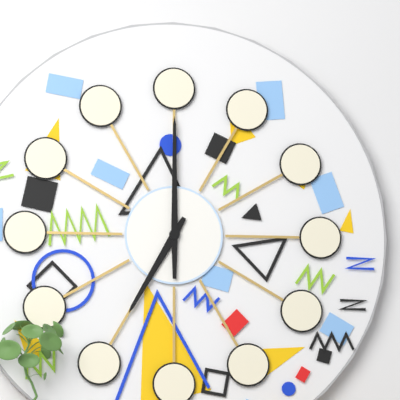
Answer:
7,00
